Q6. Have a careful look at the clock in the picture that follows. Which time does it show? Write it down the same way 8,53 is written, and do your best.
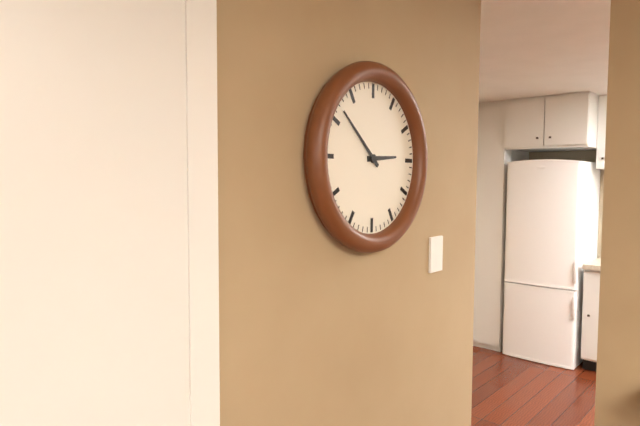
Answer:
2,52
